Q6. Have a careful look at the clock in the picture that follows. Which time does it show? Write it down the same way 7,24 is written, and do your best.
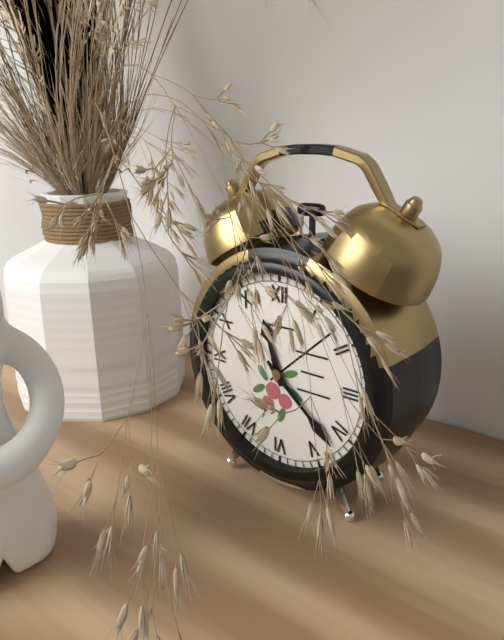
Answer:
11,22
